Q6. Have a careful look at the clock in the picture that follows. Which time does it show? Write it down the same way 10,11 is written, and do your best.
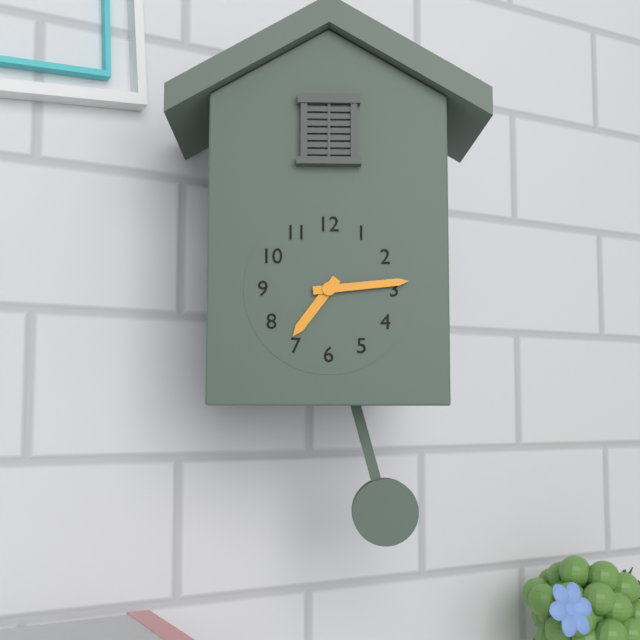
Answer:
7,14
